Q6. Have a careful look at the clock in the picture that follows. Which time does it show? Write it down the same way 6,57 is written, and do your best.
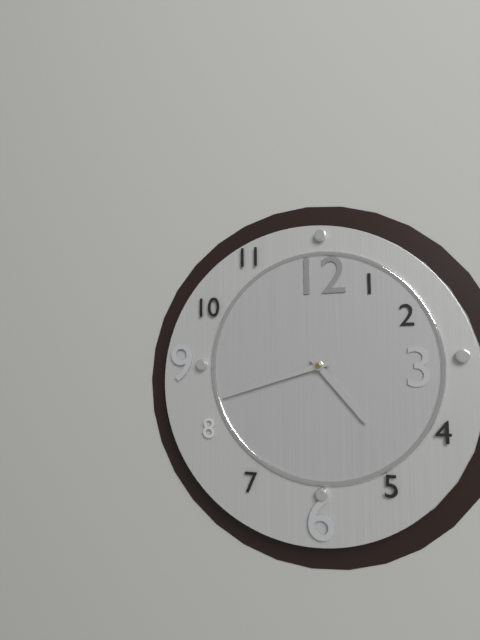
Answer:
4,42
